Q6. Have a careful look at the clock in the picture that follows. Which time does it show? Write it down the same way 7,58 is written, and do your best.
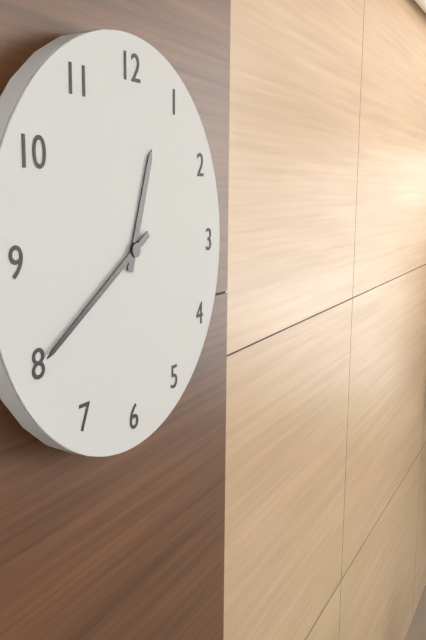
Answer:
12,40
